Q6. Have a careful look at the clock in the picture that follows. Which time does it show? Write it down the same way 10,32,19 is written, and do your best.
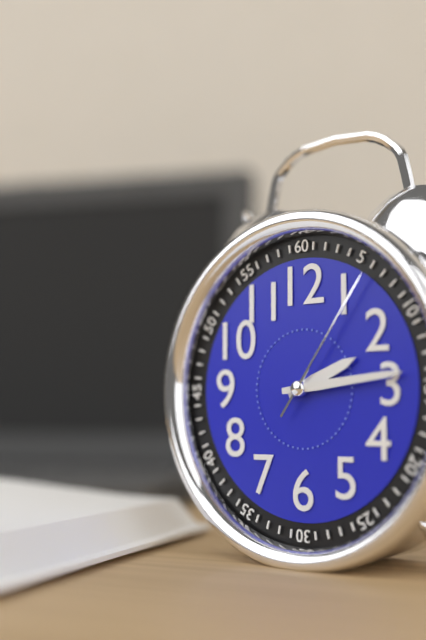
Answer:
2,14,06
